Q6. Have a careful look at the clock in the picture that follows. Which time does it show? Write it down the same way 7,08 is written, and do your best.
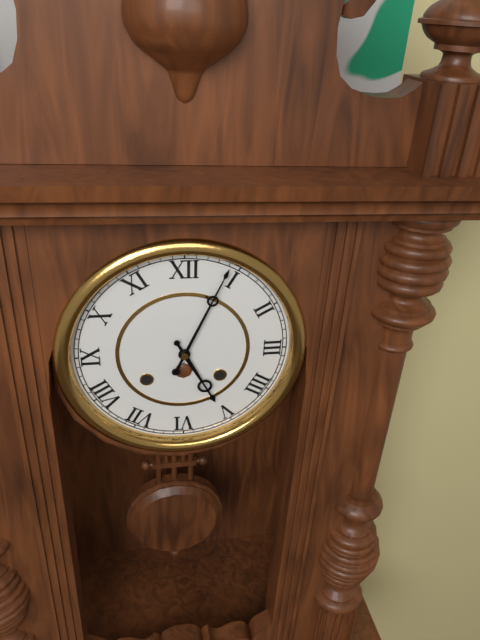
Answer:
5,04
